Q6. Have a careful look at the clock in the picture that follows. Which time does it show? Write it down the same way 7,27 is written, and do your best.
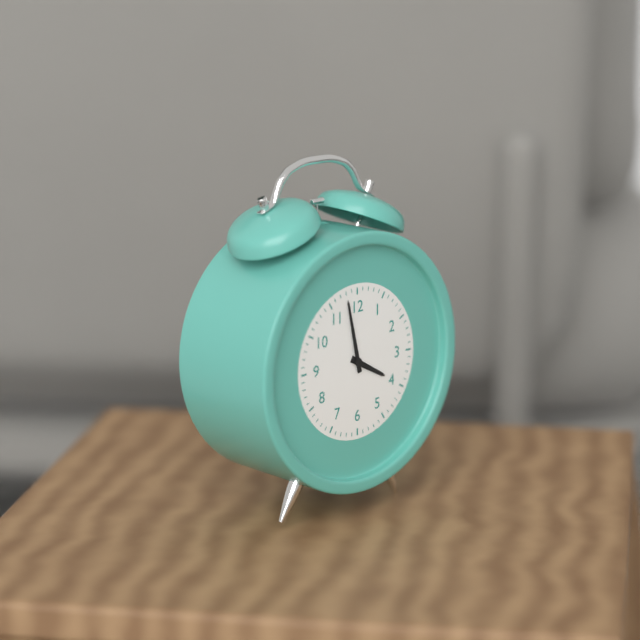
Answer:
3,58
